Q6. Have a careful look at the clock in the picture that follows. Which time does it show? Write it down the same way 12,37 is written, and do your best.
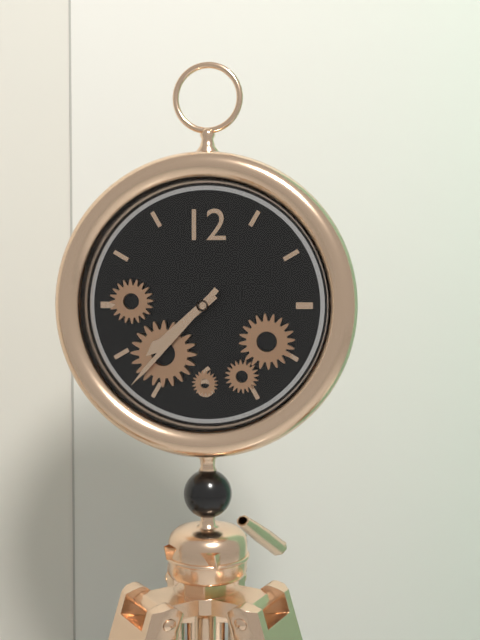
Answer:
7,37
